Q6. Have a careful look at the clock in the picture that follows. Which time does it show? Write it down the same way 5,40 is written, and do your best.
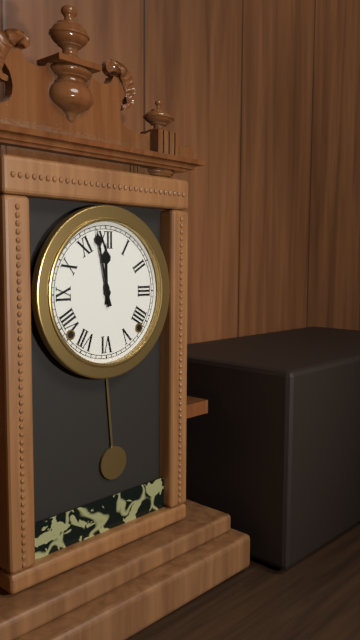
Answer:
11,58
